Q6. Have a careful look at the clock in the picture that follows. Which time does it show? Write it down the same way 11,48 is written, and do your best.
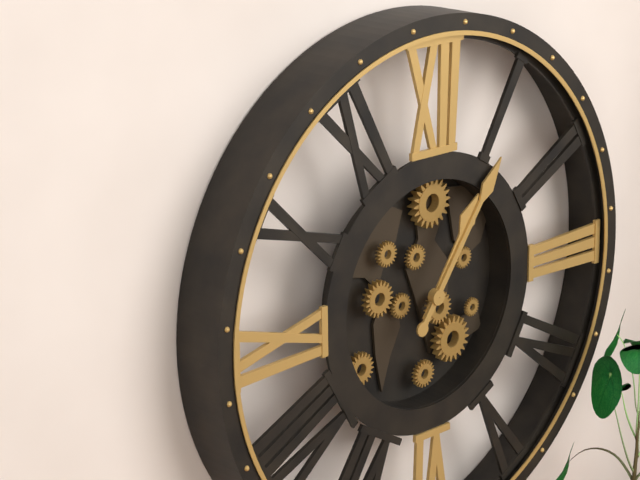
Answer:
1,06
